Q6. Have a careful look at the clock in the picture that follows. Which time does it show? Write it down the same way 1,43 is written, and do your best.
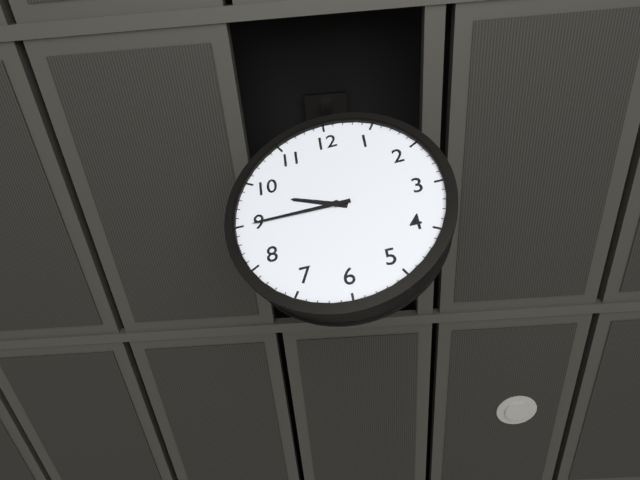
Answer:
9,45
